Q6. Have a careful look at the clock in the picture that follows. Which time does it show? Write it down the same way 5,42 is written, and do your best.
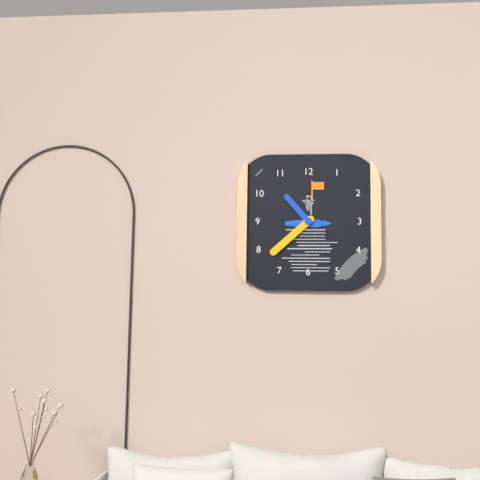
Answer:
10,38
